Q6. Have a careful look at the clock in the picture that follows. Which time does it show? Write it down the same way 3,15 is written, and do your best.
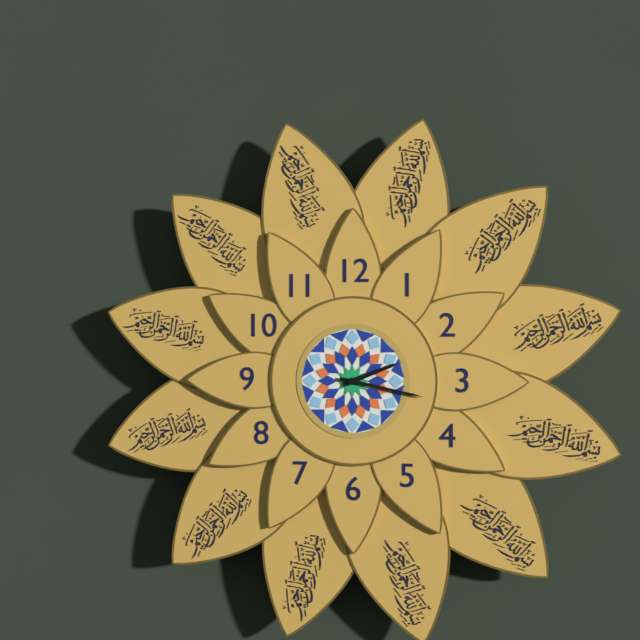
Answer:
2,17
